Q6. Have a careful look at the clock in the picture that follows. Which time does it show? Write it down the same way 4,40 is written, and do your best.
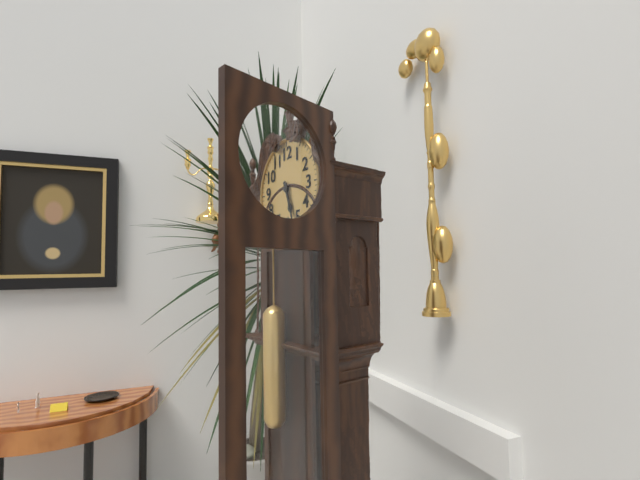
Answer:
5,27
